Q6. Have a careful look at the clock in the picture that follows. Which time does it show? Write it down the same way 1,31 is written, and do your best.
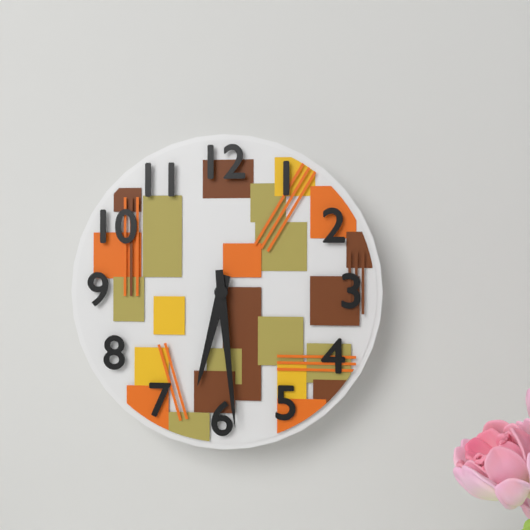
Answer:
6,29
